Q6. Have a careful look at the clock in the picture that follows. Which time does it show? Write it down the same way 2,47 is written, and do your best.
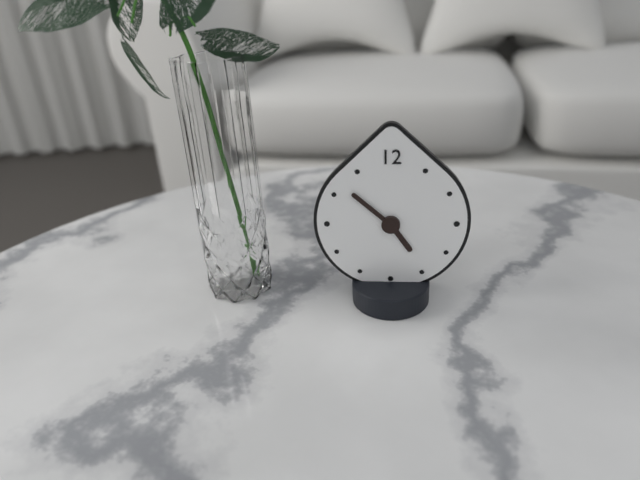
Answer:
4,52
